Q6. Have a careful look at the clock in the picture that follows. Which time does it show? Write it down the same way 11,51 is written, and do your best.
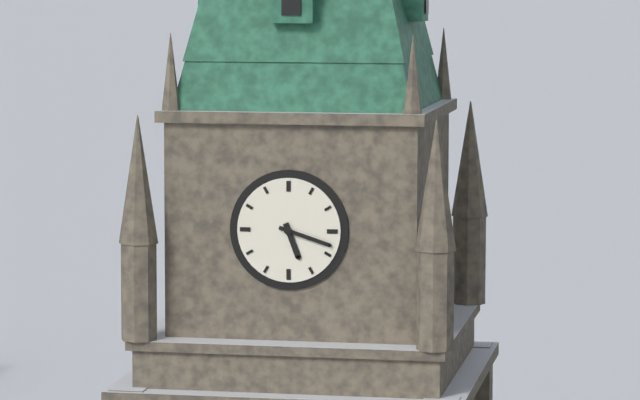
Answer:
5,18
